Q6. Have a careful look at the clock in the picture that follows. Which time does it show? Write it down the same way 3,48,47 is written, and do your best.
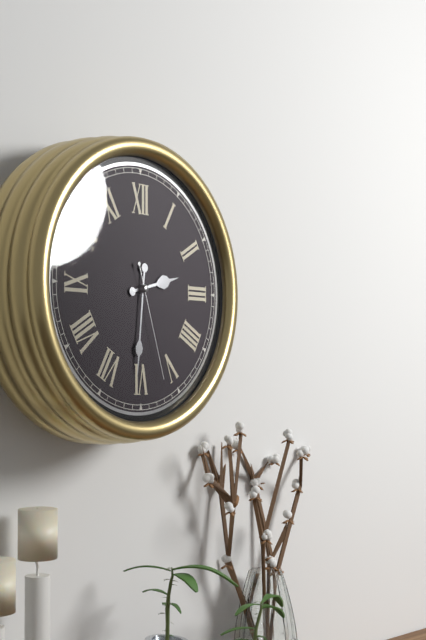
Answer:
2,31,27
